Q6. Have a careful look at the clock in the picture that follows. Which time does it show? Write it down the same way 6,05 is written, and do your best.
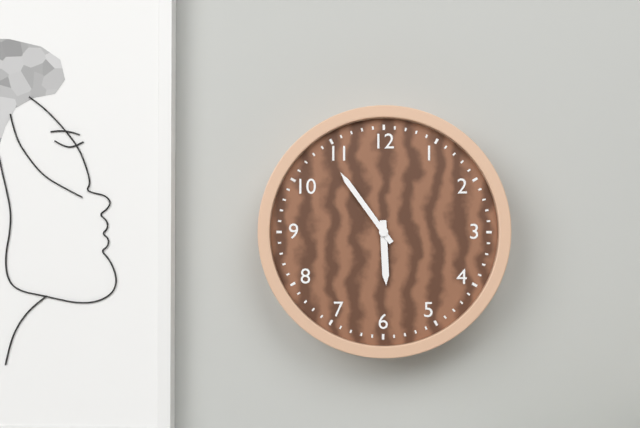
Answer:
5,54
